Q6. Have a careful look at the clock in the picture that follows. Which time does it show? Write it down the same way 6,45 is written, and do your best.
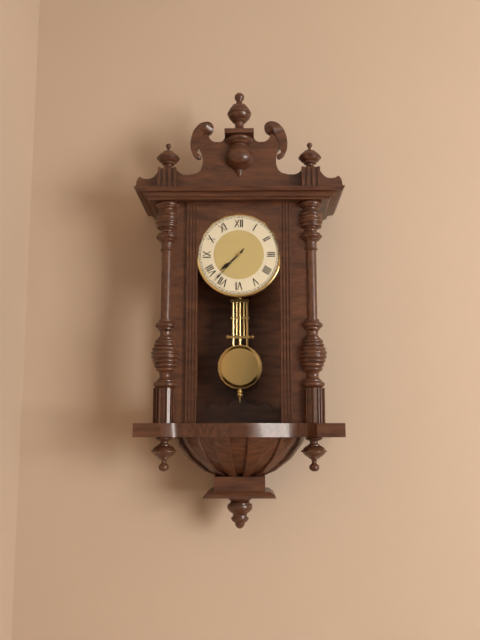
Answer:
7,37
